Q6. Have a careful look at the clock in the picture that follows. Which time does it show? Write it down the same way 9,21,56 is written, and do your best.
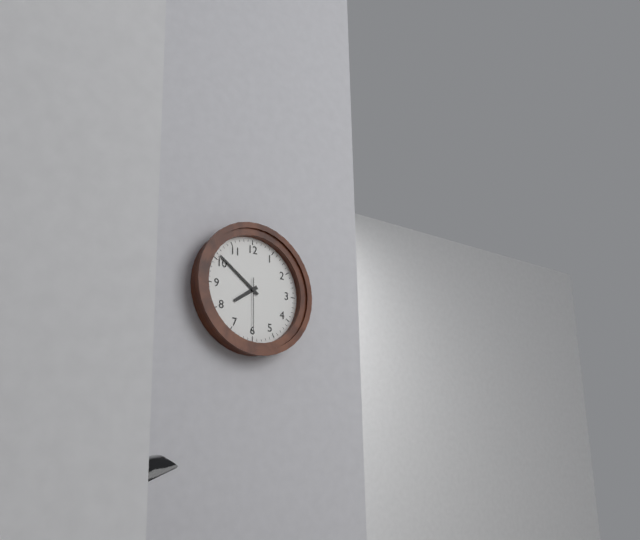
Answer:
7,51,30
